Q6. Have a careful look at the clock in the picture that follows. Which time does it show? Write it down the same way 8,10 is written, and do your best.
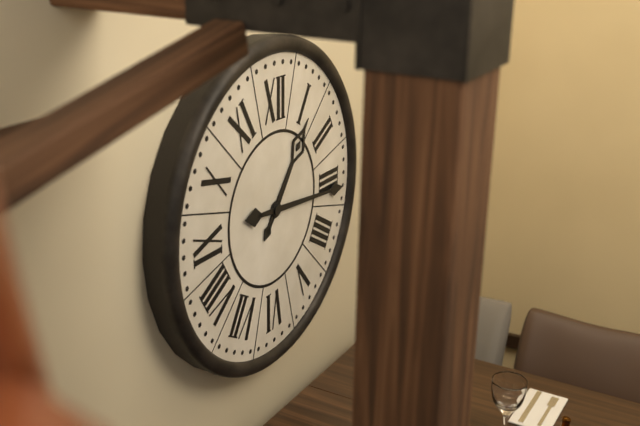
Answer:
1,16
